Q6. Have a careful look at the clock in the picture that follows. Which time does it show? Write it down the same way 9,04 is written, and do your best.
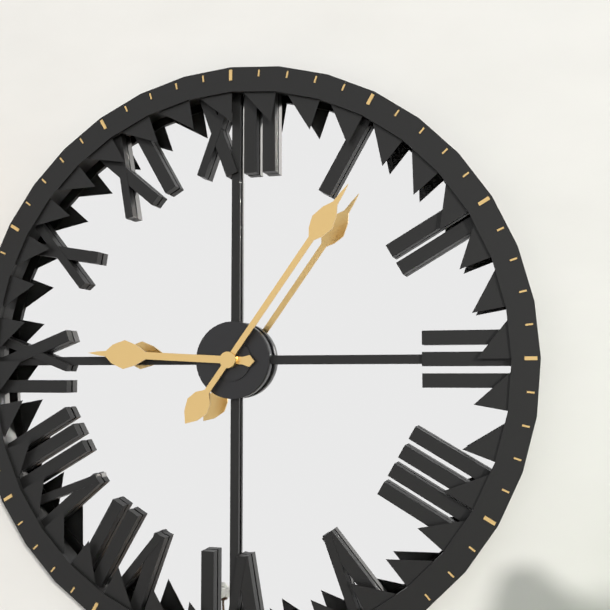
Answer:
9,06
